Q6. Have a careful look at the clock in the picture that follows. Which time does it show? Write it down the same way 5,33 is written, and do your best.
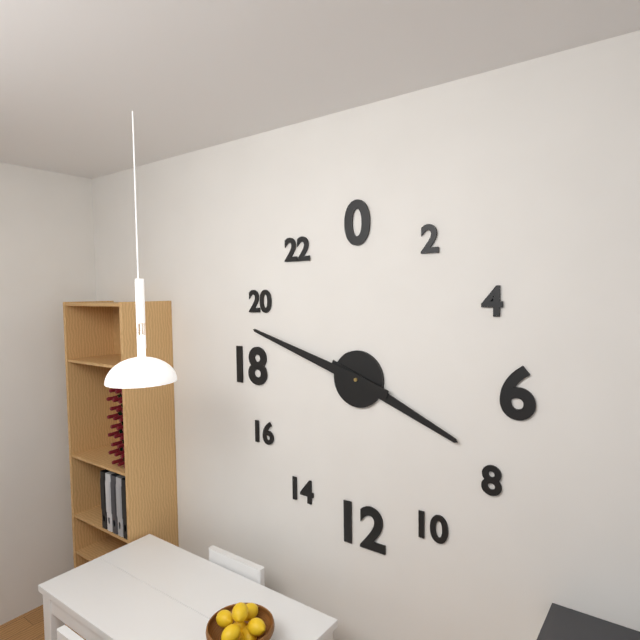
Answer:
3,48
